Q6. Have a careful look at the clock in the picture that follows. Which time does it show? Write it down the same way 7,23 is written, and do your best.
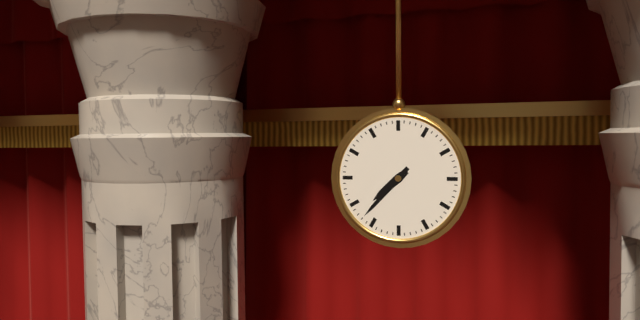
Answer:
7,37
